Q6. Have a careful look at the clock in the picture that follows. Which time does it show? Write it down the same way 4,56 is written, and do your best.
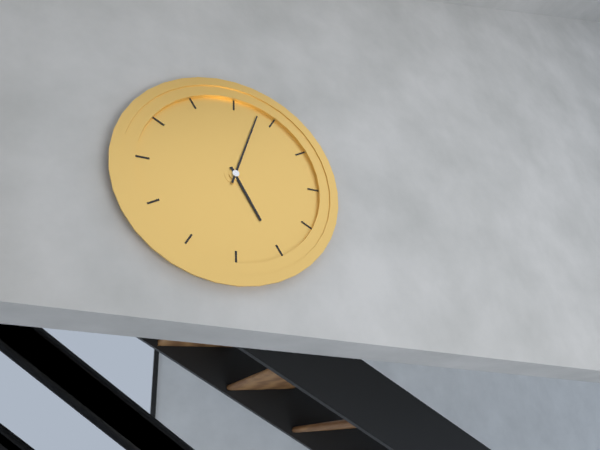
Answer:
5,03
